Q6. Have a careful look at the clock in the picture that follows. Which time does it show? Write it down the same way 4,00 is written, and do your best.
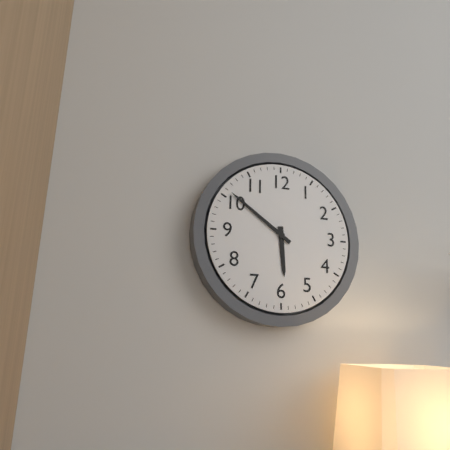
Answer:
5,51
